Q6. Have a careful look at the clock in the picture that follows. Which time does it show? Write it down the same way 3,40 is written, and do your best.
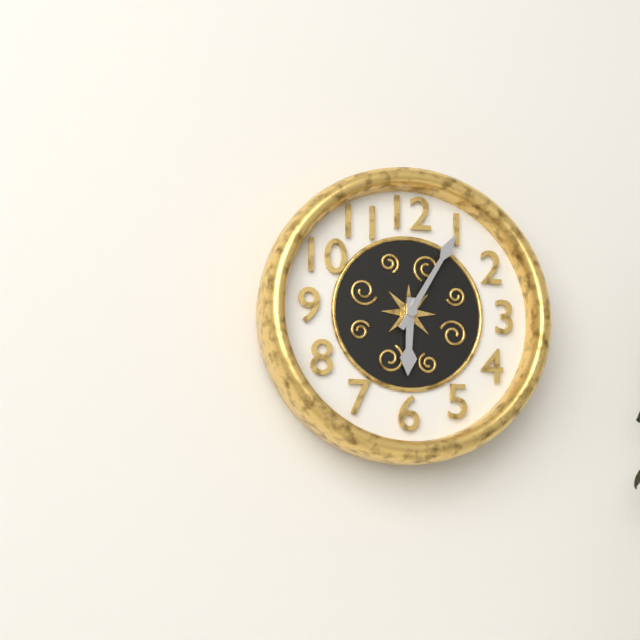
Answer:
6,05
